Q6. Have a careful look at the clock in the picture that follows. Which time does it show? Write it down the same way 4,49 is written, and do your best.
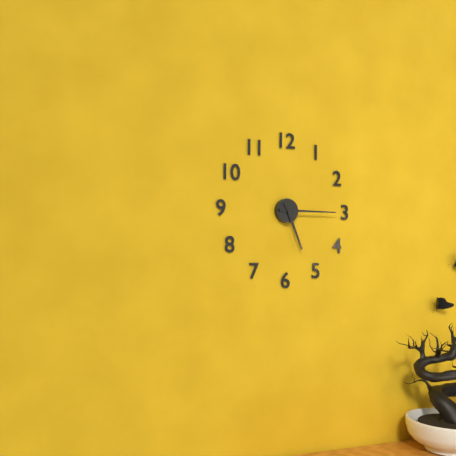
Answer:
5,15
